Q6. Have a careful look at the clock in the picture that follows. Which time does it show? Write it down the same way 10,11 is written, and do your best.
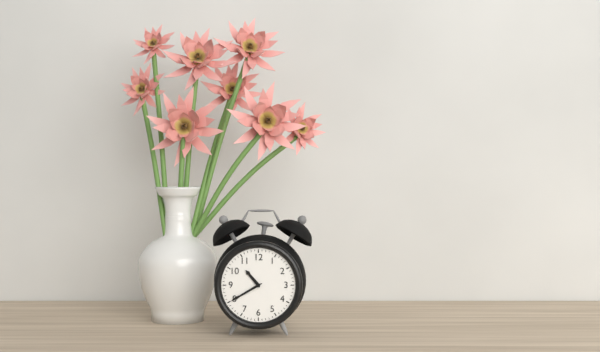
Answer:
10,40
